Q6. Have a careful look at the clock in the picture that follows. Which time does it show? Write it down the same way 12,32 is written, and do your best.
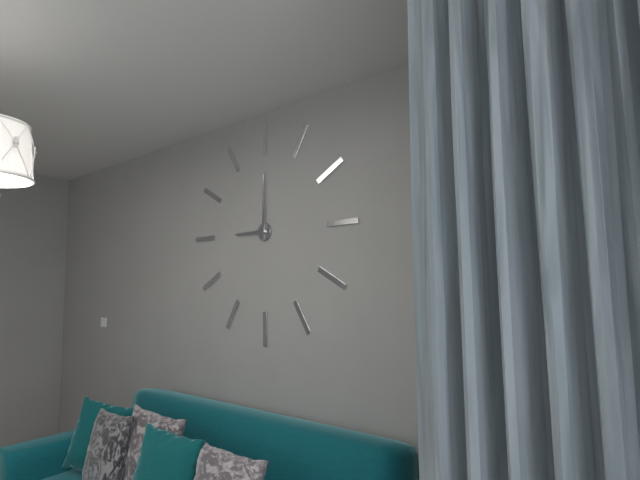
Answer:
9,00
